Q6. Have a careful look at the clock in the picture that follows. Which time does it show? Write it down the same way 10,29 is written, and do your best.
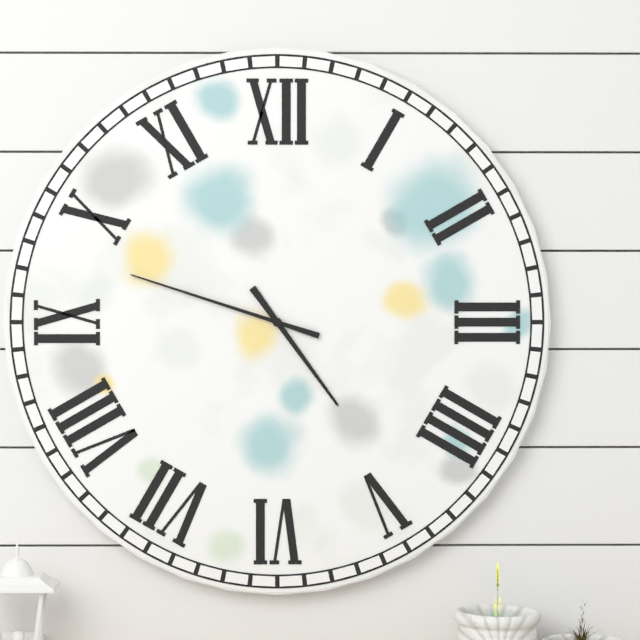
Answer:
4,48
